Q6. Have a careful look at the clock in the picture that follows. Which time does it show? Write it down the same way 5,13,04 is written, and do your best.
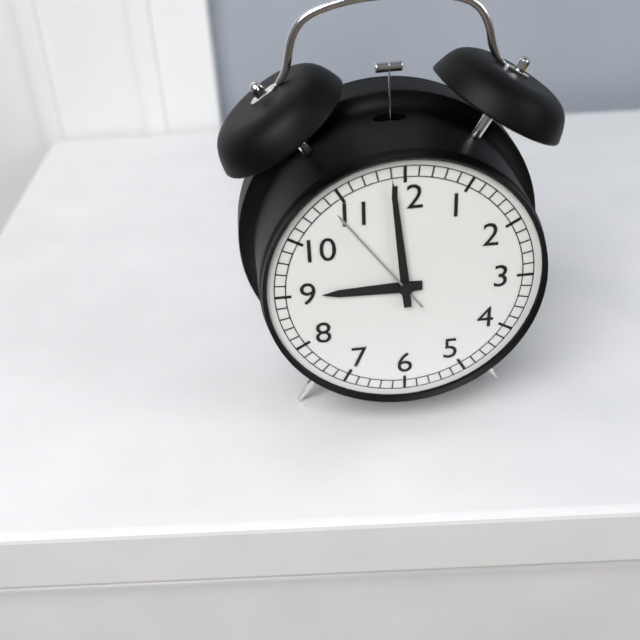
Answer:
8,59,54
